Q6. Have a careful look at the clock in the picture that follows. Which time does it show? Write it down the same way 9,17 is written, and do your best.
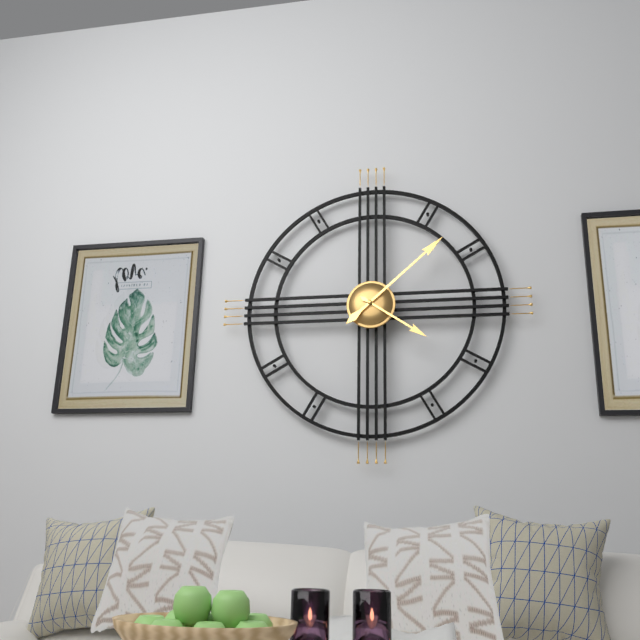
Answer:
4,08
